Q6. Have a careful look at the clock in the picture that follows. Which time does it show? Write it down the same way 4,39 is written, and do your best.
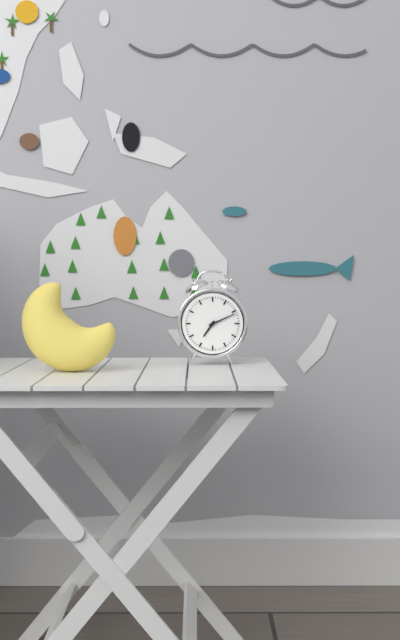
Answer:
7,11
